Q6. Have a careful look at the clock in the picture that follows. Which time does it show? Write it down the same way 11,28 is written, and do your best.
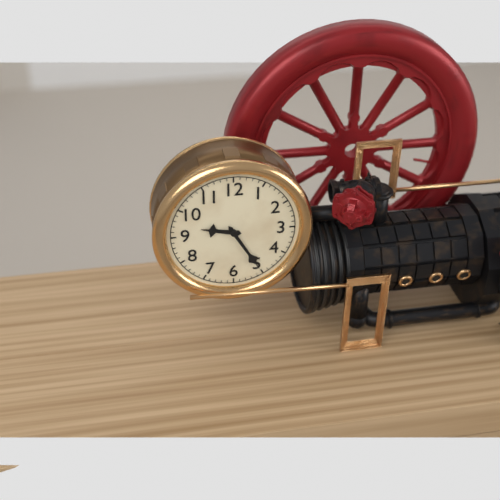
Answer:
9,25
